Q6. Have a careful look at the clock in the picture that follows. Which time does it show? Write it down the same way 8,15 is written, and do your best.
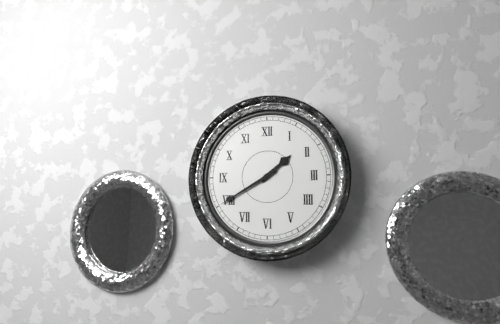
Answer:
1,40
